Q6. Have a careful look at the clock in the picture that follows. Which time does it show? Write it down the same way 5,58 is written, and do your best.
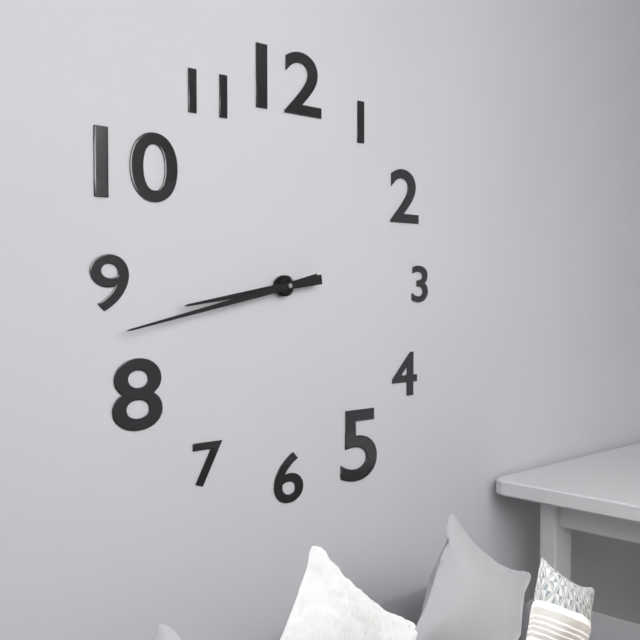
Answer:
8,43
